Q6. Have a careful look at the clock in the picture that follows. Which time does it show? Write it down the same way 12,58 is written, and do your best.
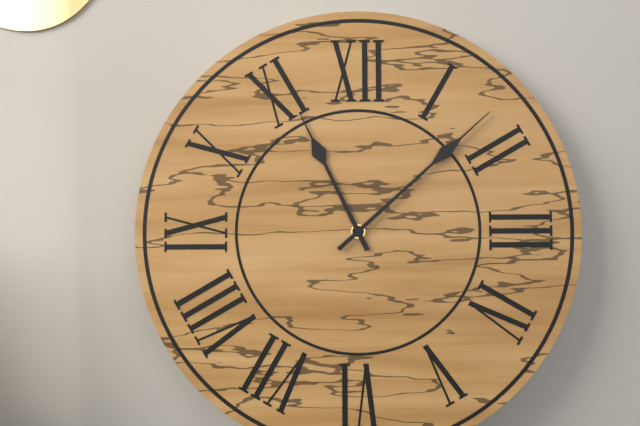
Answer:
11,08
